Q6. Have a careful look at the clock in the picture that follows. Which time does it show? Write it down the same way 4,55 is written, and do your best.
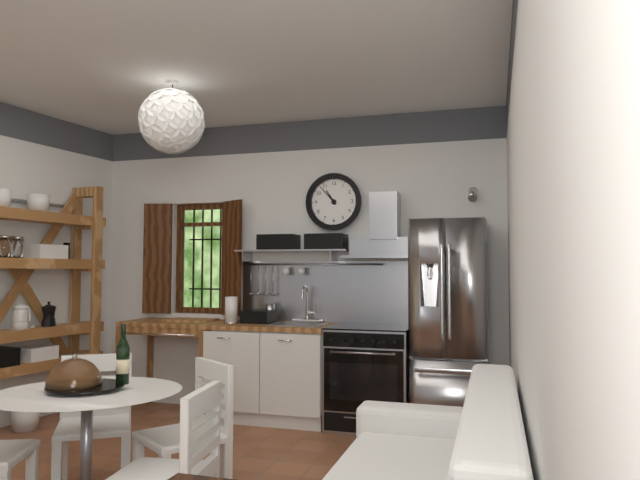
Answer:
10,53
